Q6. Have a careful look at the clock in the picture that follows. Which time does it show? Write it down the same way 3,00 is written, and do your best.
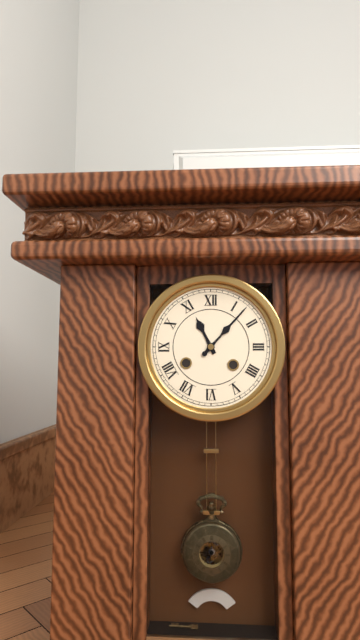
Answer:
11,07
